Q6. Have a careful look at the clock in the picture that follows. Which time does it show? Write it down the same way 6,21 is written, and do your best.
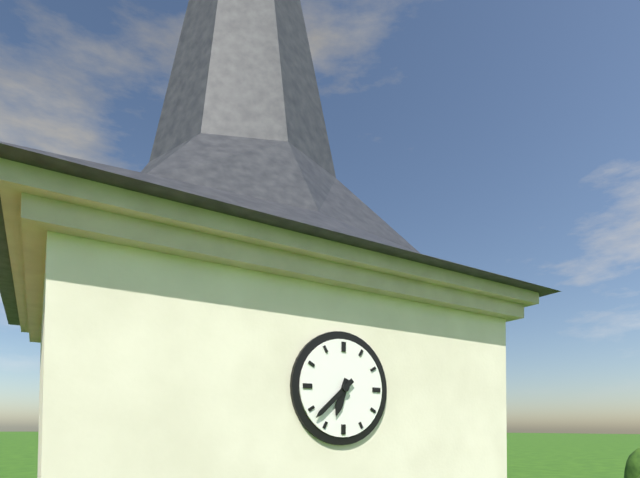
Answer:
6,38
